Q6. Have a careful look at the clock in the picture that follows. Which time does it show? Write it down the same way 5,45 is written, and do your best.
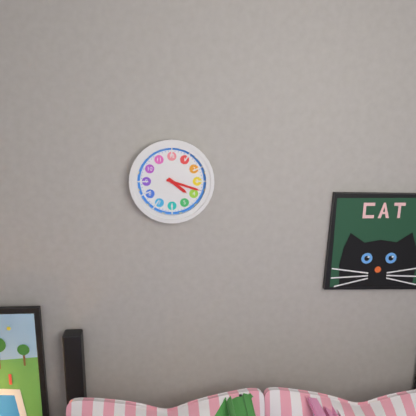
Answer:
4,18
